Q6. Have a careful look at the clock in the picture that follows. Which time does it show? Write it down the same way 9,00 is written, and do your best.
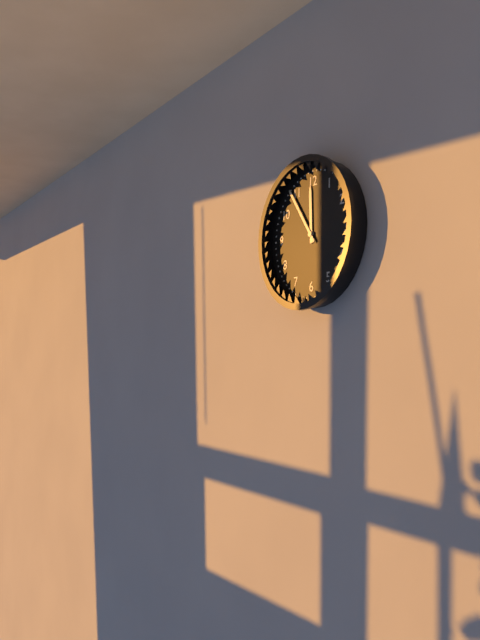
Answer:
11,54
